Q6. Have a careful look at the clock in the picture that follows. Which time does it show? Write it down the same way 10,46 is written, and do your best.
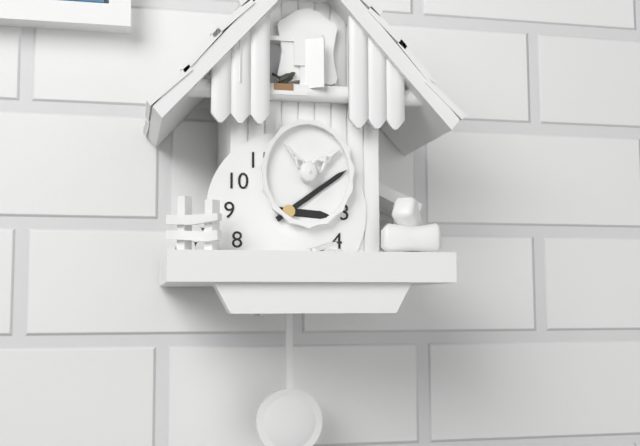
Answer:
3,09
